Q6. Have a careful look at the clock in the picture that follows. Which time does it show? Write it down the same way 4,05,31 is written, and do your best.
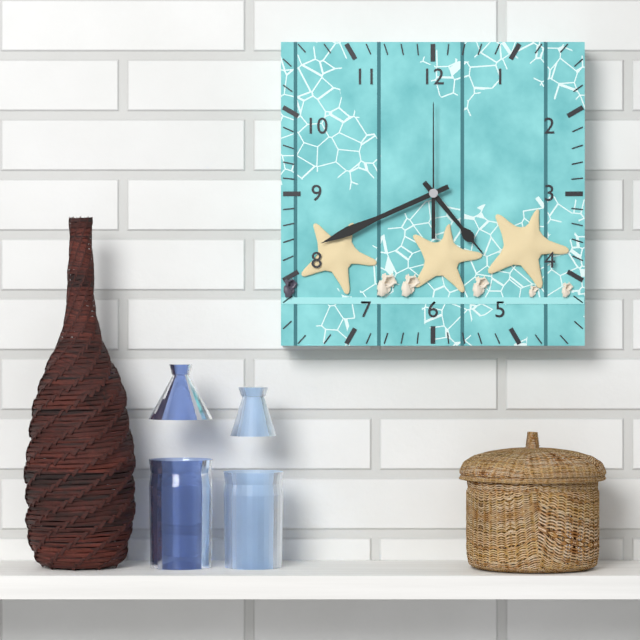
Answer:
4,41,00
